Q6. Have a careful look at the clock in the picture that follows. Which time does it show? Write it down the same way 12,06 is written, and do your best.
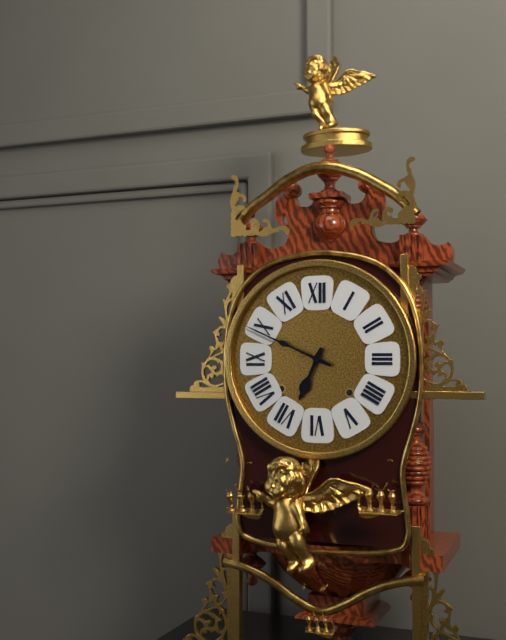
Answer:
6,49
